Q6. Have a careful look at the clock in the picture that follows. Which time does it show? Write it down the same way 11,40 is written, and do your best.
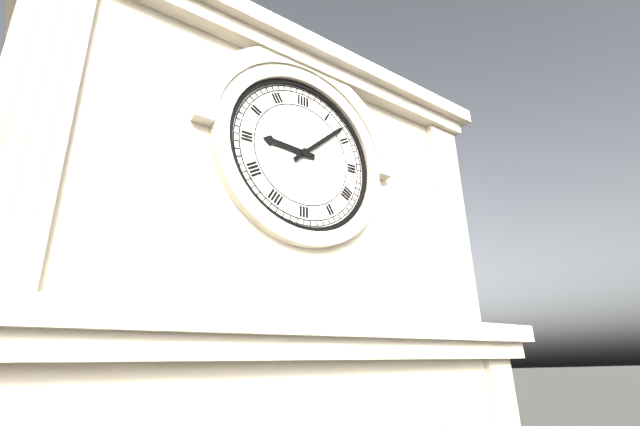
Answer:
9,08
